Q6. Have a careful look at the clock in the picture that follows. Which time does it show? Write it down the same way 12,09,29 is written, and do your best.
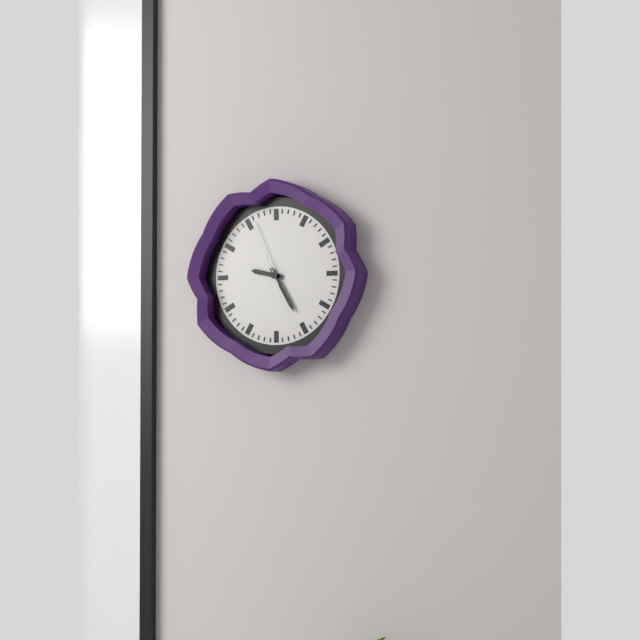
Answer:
9,25,56
